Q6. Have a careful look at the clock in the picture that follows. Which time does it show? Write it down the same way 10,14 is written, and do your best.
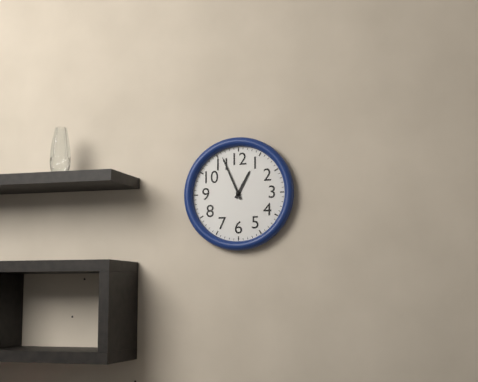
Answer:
12,56
